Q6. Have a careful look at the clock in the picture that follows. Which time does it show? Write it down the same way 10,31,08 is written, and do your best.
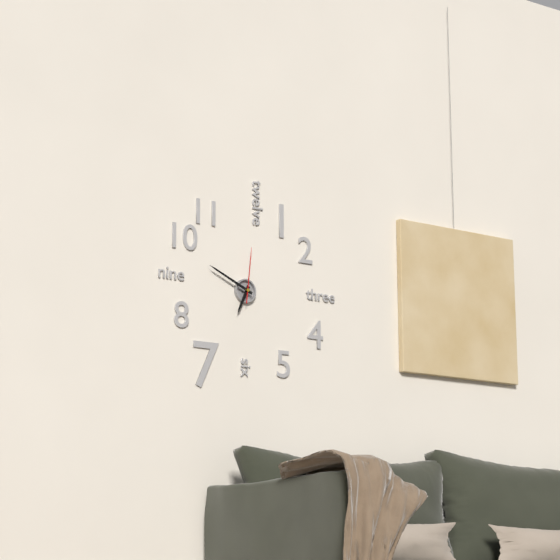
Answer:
6,49,01
